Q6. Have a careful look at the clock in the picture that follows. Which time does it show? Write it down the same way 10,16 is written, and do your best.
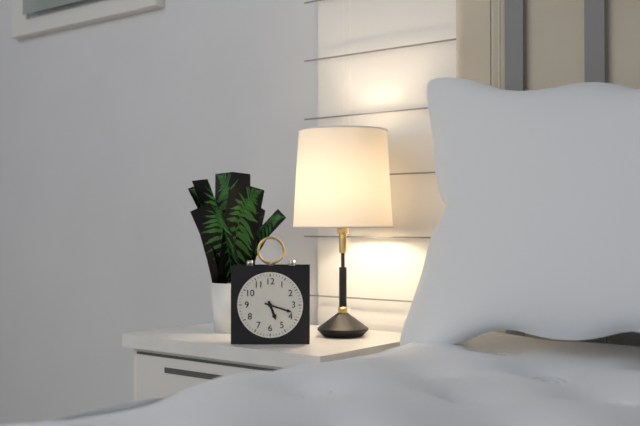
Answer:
5,18
